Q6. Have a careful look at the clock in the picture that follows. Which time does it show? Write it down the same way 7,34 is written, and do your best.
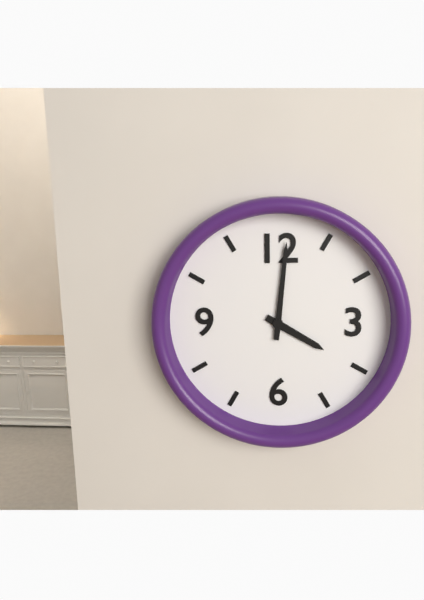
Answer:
4,01
